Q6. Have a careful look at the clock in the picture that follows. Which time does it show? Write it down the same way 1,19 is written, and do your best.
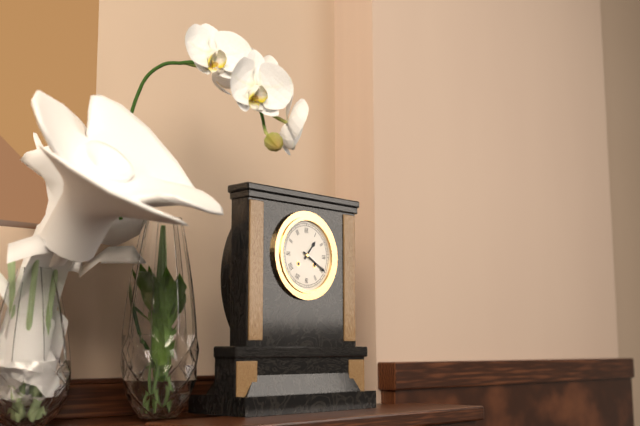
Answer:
1,20
